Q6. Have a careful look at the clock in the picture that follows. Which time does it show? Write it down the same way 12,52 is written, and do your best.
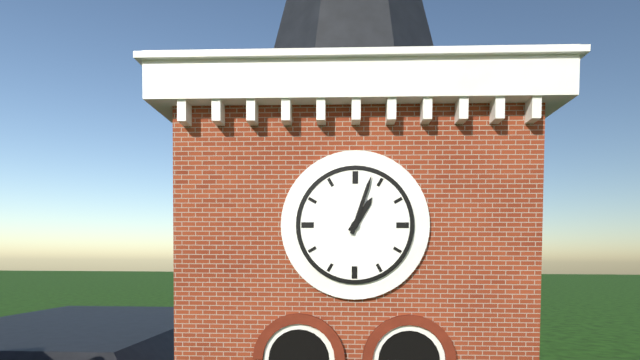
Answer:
1,03
